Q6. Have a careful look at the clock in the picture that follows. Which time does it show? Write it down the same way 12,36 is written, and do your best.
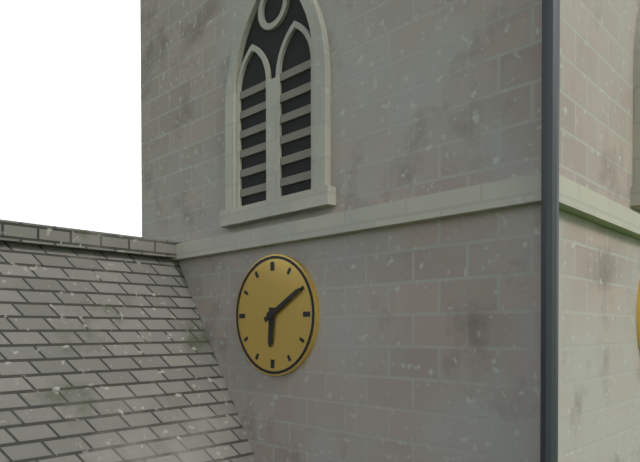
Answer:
6,10
